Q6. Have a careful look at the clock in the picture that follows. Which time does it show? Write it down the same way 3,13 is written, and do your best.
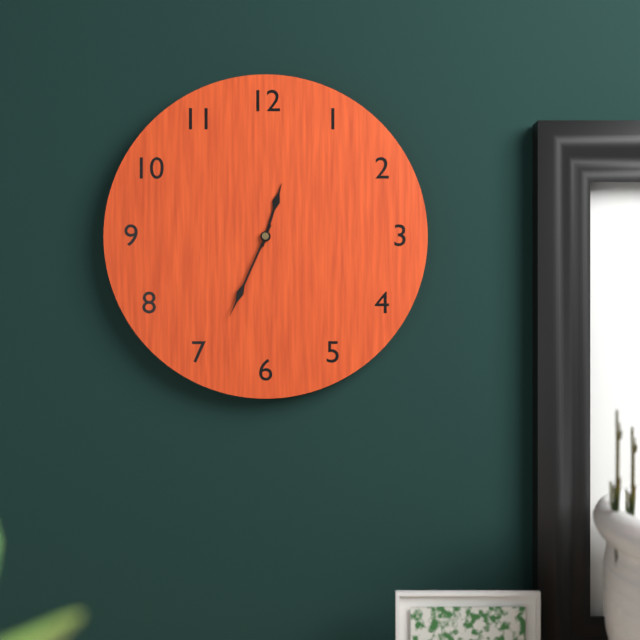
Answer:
12,34
